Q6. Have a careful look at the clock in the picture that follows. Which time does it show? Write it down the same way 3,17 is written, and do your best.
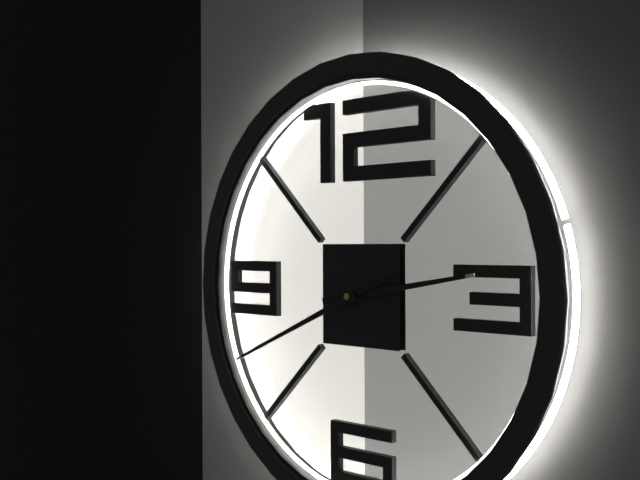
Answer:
2,41
